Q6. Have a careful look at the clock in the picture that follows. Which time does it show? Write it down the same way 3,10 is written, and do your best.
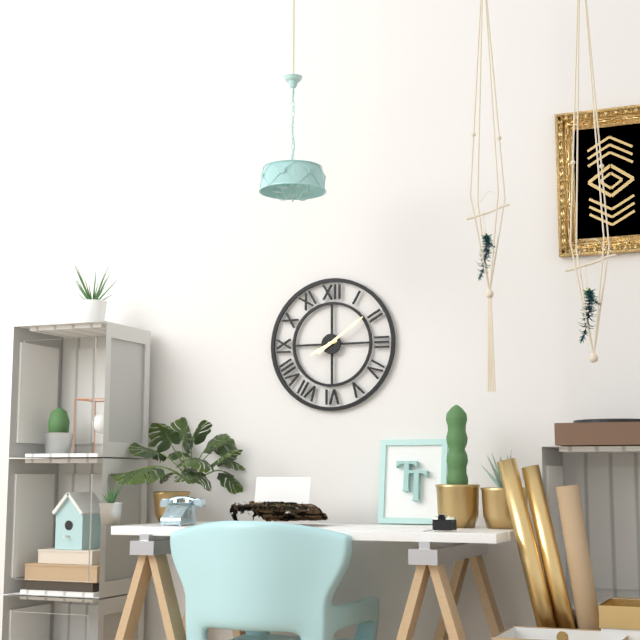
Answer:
8,09
